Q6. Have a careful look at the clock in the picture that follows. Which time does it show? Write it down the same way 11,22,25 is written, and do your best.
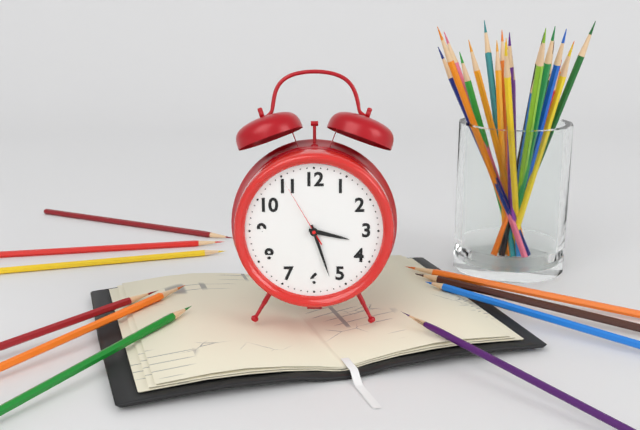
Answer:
3,27,55
